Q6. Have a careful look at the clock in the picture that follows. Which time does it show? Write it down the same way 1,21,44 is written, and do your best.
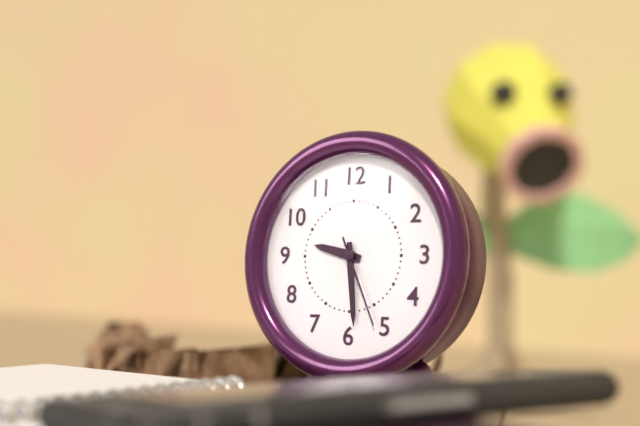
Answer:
9,29,26
